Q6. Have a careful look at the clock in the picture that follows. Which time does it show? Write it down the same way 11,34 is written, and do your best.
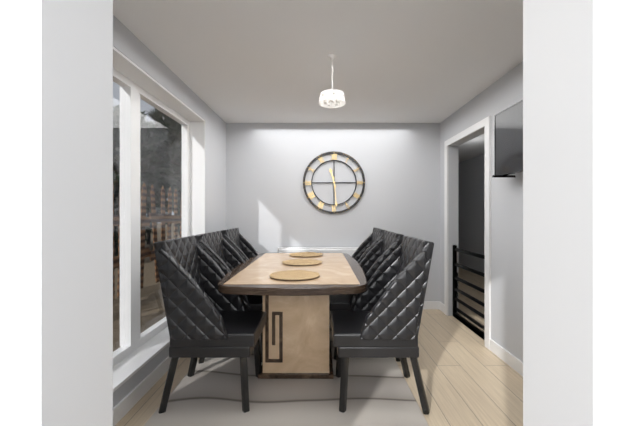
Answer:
11,29
